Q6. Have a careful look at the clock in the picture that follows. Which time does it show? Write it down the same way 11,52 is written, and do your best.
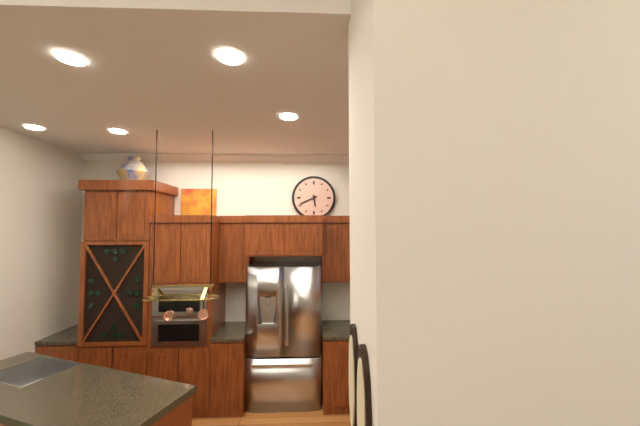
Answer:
5,41
